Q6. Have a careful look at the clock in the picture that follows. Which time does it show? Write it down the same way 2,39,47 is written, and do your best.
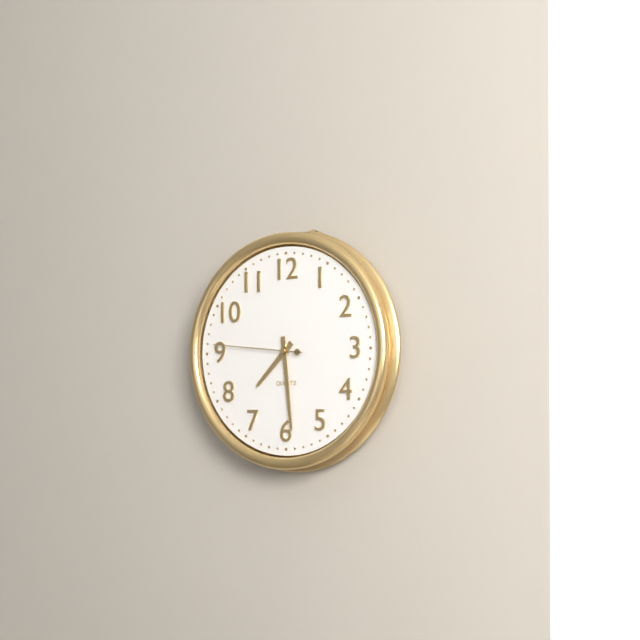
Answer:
7,29,46
